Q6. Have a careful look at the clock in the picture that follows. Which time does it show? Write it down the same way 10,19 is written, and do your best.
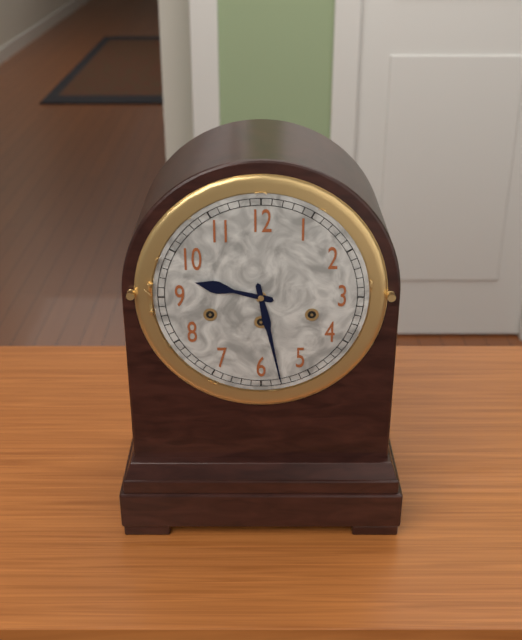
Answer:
9,28
